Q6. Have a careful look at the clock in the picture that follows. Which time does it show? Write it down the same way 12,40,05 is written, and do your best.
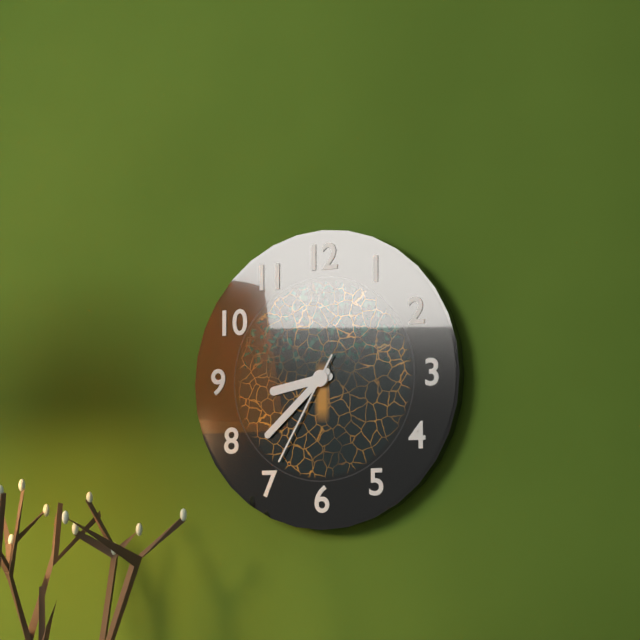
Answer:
8,38,35
